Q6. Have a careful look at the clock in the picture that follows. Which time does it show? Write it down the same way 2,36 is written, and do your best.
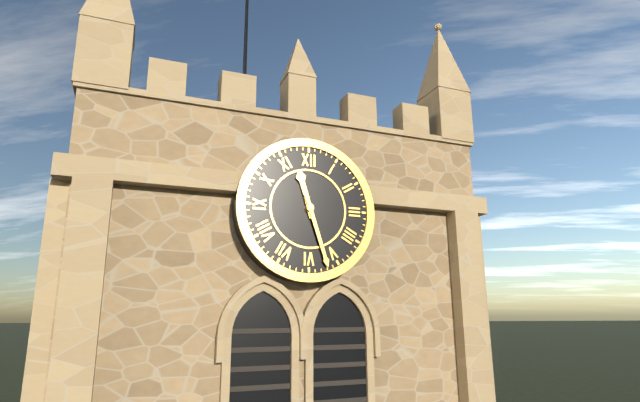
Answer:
11,27
